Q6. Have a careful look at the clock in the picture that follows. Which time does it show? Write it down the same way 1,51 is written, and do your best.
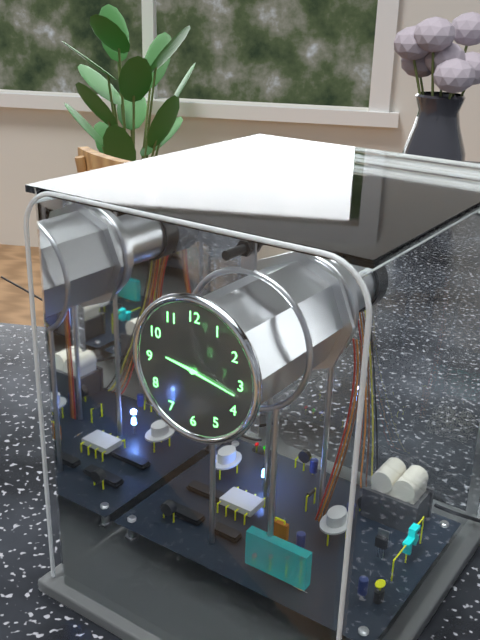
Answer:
9,17
